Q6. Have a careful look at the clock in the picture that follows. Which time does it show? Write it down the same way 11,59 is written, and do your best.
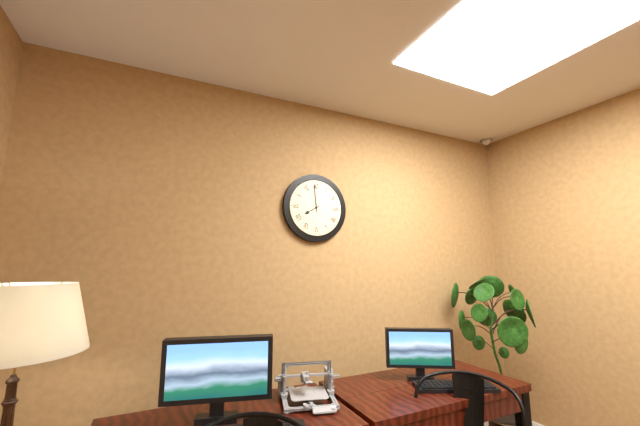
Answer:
7,59
